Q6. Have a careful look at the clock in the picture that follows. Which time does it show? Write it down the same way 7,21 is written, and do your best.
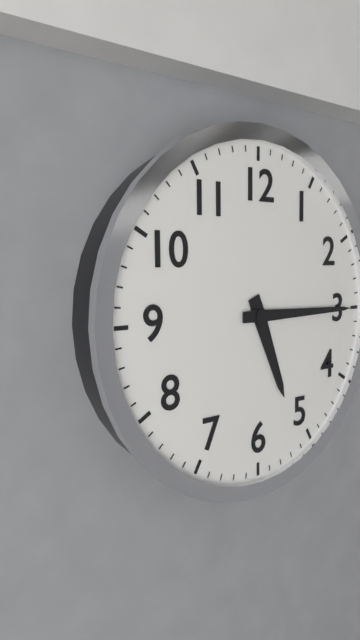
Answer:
5,15
